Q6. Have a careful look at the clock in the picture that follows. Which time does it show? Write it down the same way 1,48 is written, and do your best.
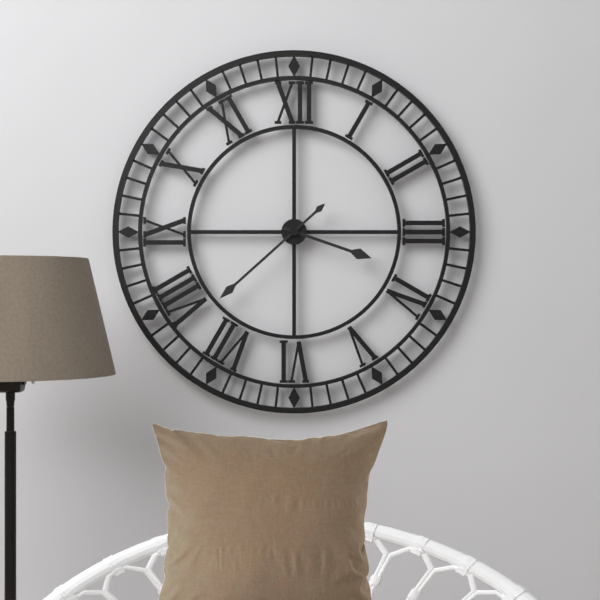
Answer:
3,38
